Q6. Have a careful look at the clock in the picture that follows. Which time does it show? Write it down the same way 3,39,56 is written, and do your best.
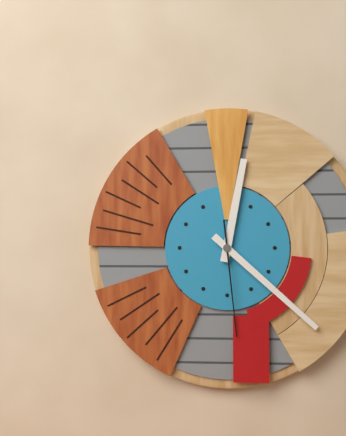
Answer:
12,22,29
